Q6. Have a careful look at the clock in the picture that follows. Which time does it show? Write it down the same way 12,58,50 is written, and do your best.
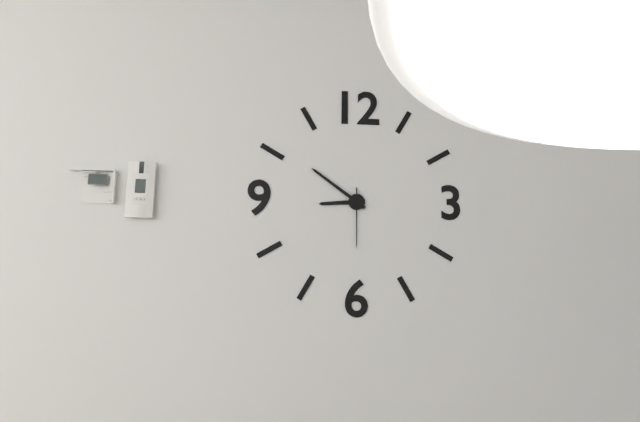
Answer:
8,51,30
